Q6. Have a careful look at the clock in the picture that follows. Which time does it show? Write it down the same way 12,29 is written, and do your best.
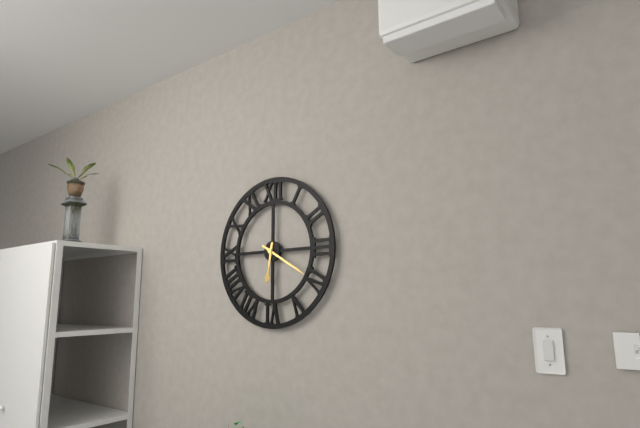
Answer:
6,20
